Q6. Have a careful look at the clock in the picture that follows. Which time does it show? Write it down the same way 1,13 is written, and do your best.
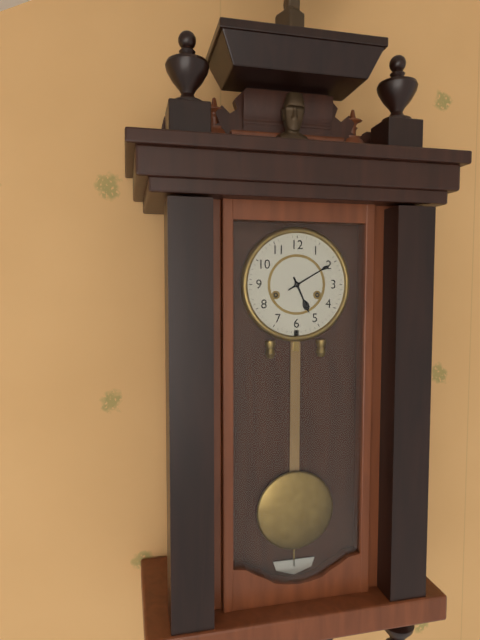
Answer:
5,10
